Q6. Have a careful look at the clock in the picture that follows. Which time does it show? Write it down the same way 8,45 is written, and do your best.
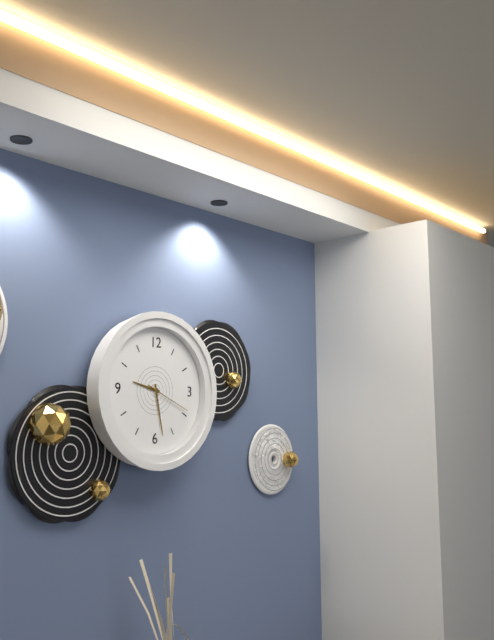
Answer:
9,28
